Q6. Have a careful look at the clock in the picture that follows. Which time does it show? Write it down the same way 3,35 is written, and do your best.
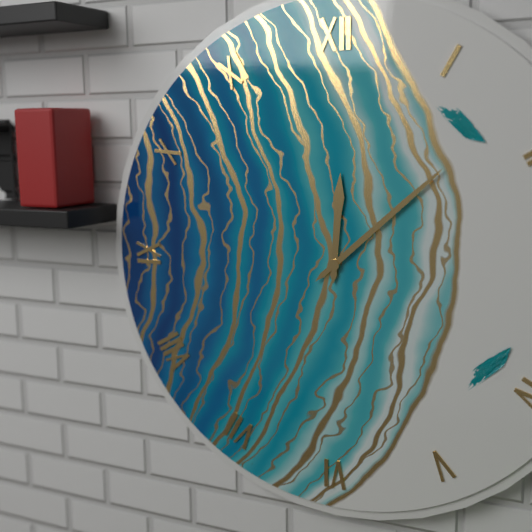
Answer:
12,08
